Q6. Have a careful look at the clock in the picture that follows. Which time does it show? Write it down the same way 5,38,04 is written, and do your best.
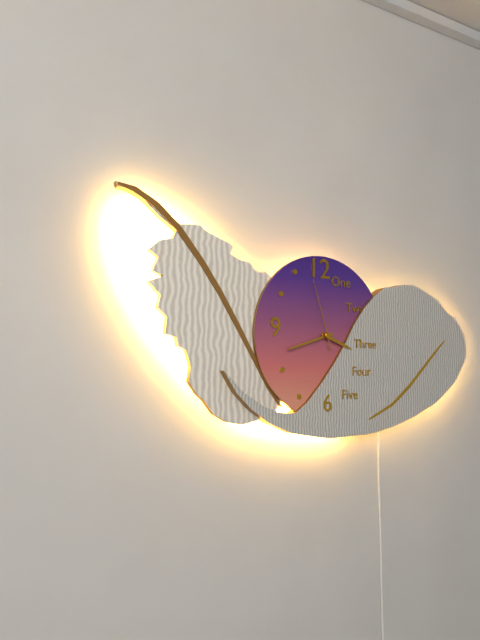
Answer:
3,42,57
